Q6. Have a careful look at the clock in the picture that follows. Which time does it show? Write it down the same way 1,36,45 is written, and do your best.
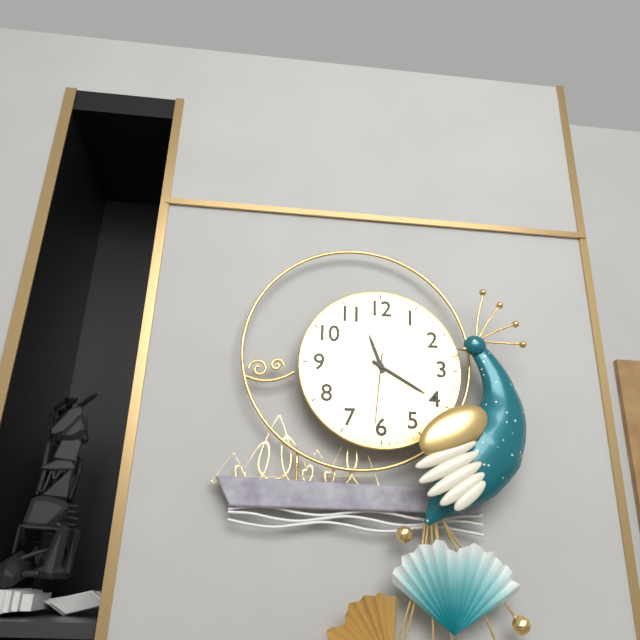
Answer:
11,20,31
